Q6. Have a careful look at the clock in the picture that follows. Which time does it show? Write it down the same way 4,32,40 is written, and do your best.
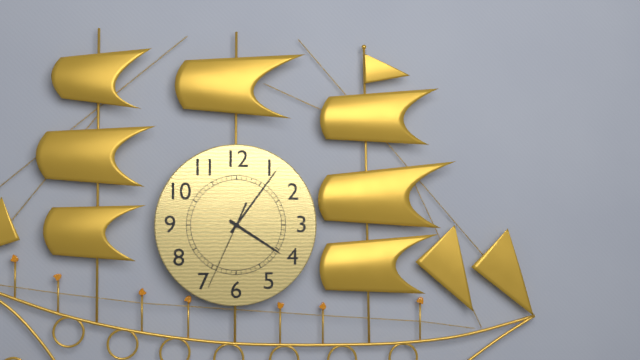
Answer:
4,06,34
